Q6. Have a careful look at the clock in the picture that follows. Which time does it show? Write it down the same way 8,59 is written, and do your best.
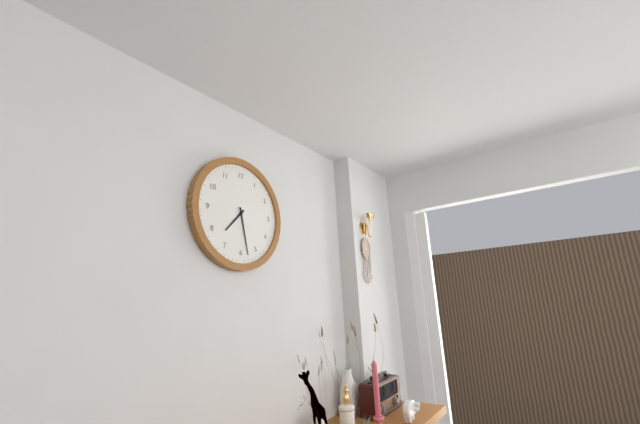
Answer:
7,28
